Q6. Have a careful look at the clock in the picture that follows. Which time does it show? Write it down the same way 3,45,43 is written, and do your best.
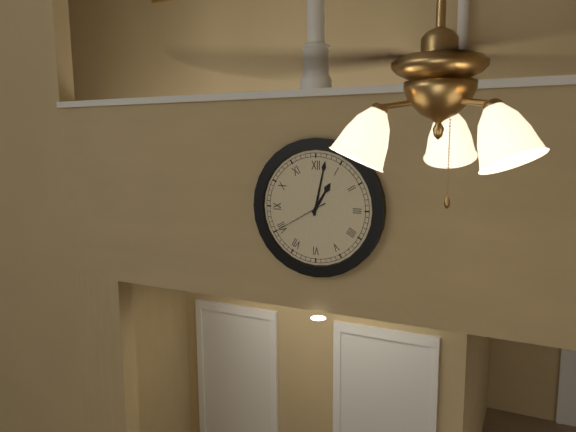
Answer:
1,02,40
